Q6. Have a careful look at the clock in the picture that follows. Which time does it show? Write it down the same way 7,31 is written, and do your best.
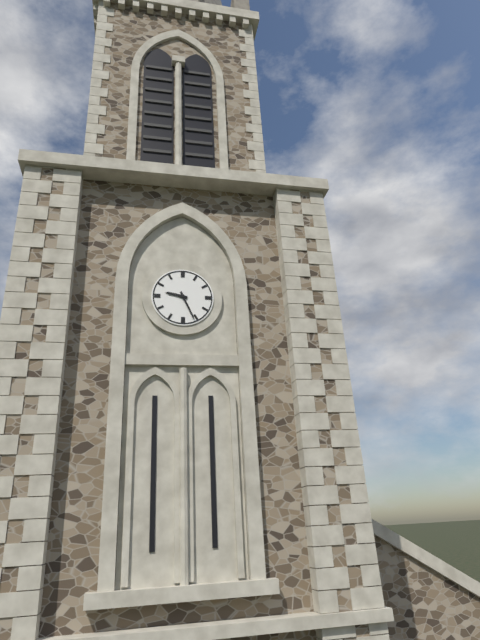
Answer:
9,26
